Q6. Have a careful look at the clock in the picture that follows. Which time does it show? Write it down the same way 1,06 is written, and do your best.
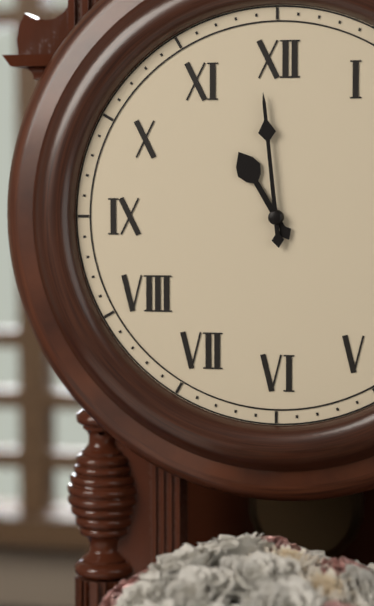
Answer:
10,59
